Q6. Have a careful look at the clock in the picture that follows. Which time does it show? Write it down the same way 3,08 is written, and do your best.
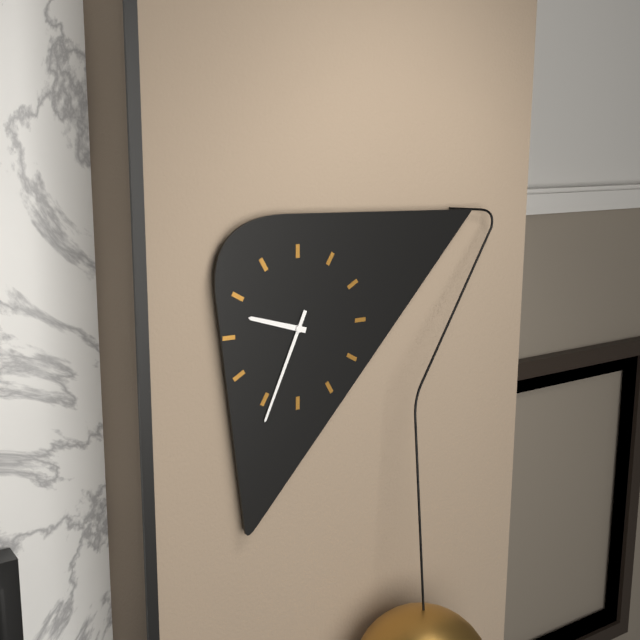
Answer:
9,34
